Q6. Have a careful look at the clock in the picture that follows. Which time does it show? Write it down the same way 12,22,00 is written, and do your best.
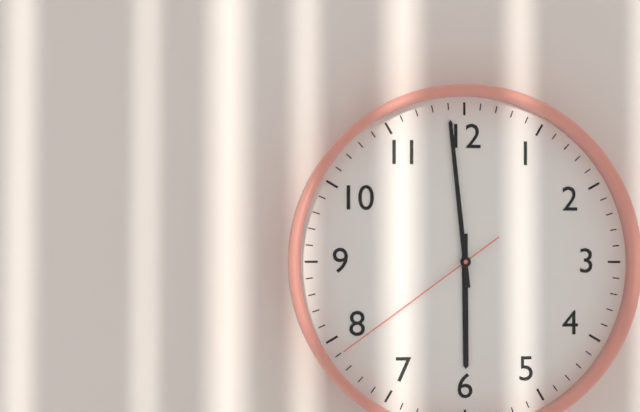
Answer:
5,59,39
